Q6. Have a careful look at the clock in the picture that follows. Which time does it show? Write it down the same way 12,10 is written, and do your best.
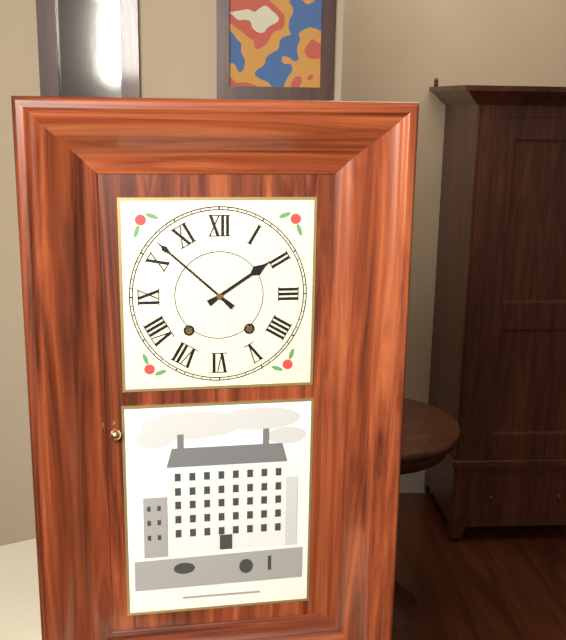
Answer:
1,52
